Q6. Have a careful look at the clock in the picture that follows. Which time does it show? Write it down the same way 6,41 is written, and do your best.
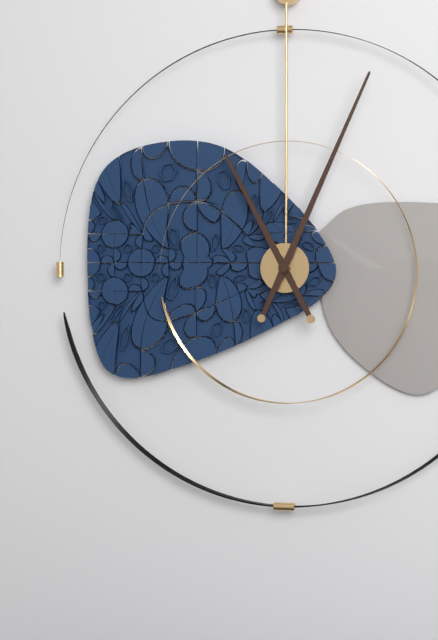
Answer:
11,04
